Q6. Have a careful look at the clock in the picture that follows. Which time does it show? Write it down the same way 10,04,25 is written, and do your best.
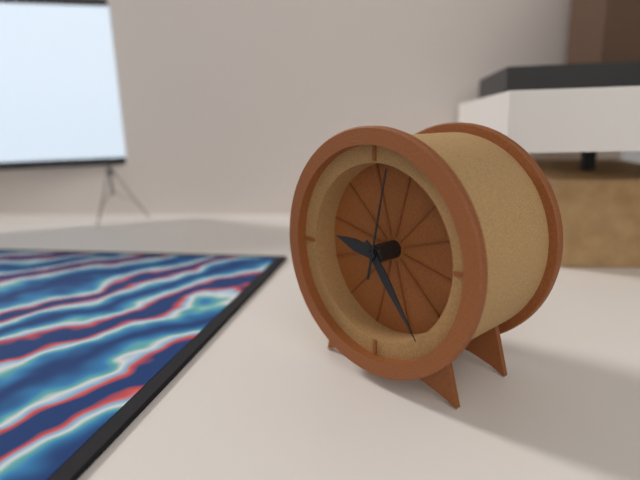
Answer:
9,24,02
